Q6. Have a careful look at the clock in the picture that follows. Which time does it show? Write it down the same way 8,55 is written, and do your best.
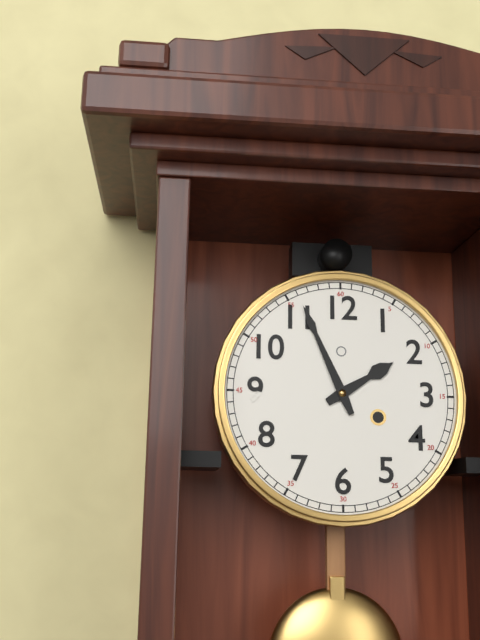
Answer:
1,56
